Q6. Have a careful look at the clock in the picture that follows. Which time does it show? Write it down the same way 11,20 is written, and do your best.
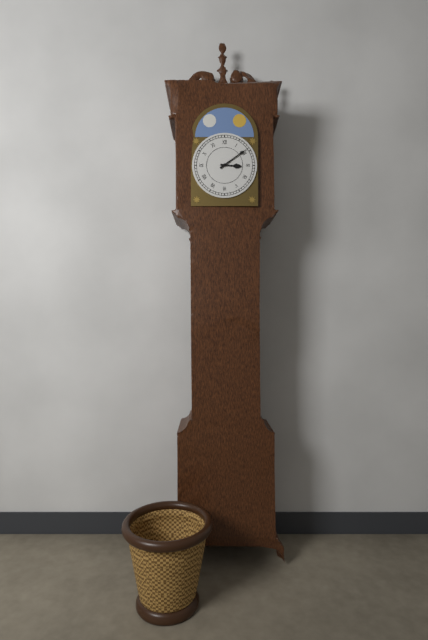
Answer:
3,09
